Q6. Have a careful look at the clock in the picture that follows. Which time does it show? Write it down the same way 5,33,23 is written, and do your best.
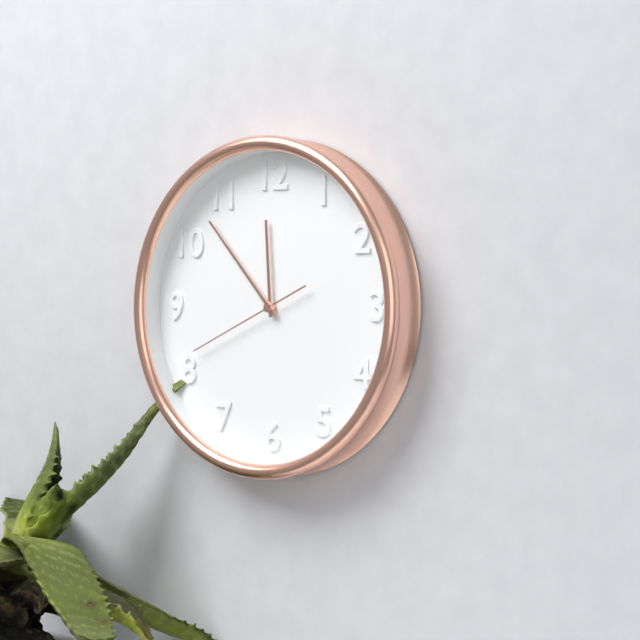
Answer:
11,53,41
